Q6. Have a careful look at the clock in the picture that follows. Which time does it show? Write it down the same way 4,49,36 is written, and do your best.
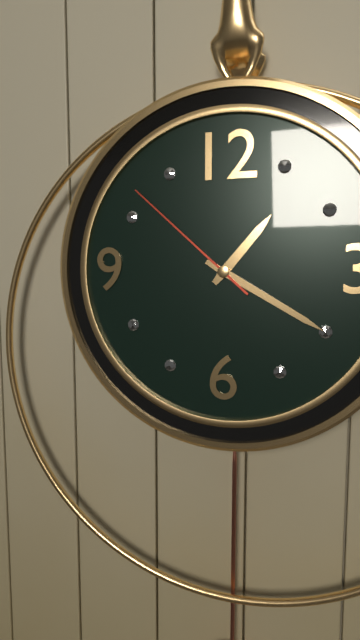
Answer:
1,20,52
